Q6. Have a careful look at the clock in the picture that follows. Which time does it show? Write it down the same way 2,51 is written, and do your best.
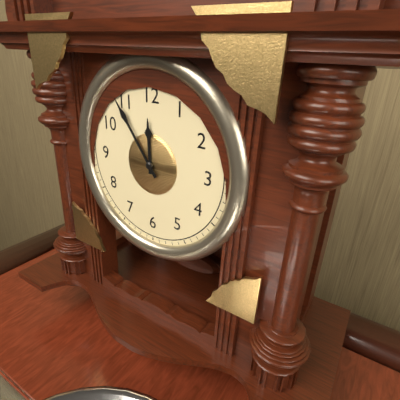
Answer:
11,54
